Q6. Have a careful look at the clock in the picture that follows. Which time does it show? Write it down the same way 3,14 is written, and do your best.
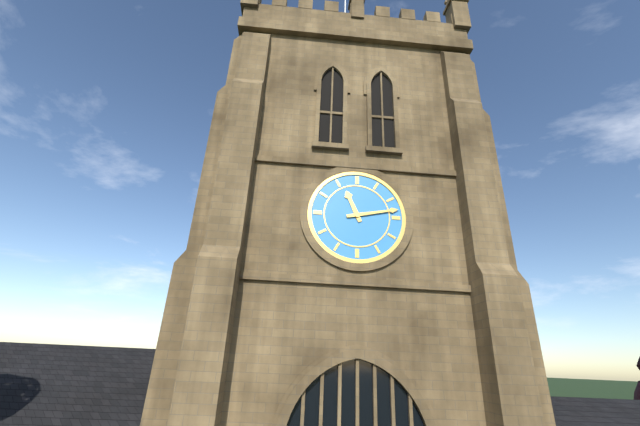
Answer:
11,13
